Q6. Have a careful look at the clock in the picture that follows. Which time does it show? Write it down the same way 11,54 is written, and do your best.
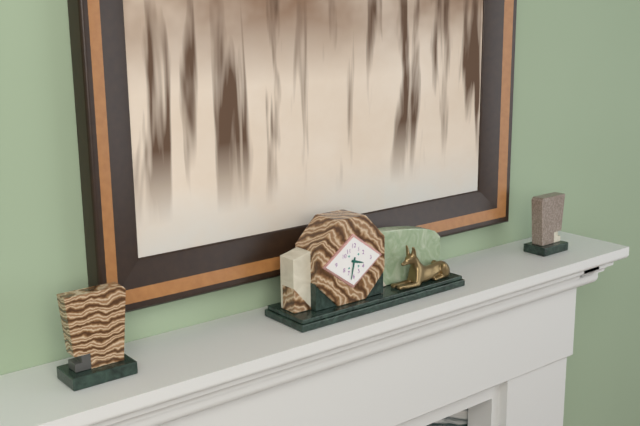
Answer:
3,32
